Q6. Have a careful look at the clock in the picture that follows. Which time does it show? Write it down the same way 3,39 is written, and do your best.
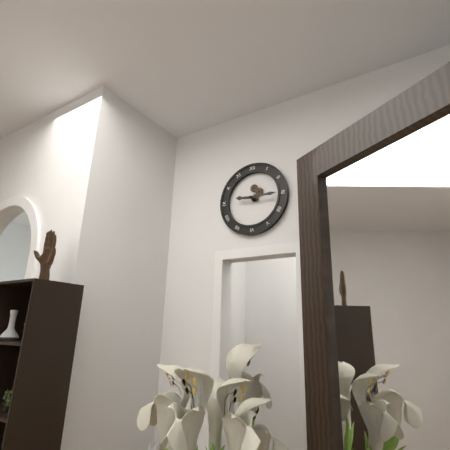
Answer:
9,15
